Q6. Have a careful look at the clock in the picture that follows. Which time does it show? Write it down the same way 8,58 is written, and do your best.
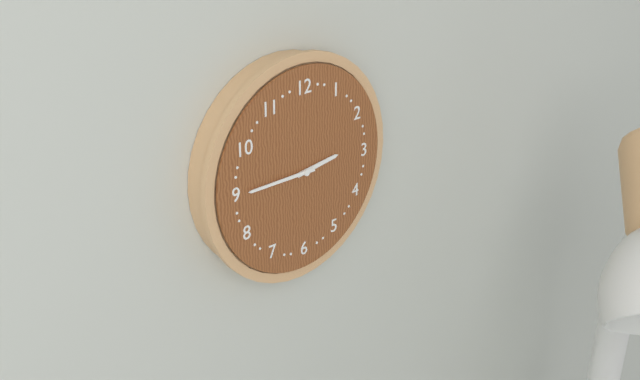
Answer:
2,45
